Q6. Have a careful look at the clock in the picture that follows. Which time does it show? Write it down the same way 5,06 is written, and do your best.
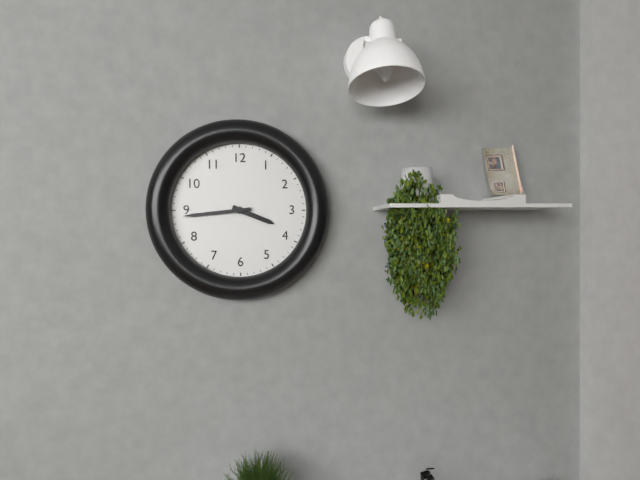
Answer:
3,44
